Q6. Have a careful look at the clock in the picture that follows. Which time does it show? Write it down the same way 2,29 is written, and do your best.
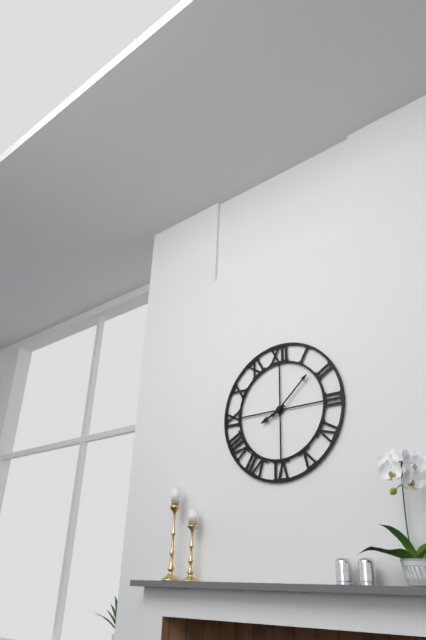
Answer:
8,08
